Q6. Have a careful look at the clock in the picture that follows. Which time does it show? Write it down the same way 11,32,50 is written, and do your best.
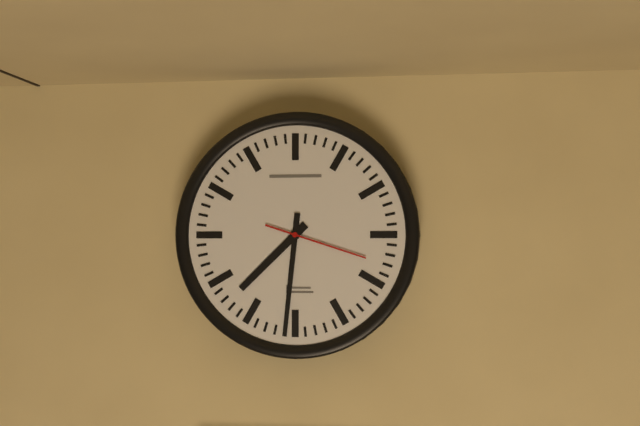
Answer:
7,31,18
